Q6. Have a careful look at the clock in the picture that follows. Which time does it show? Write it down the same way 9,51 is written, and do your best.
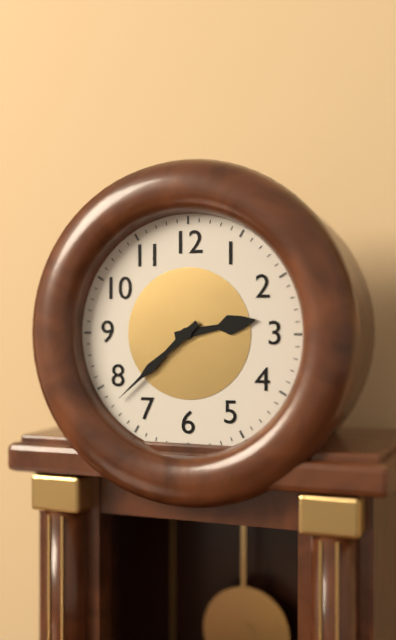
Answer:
2,38
